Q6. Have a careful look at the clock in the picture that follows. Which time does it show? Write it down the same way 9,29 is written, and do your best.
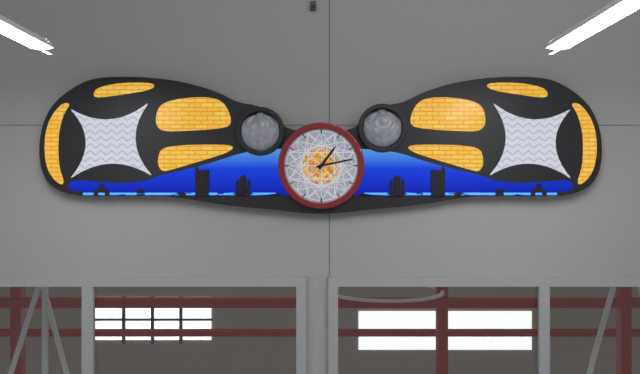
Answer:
1,13
